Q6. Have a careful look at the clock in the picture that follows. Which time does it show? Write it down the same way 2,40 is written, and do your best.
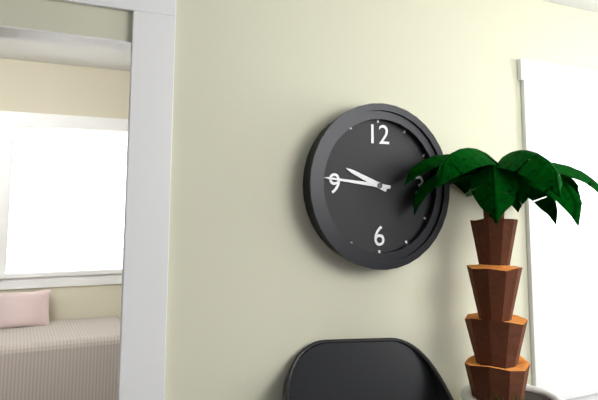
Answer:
9,46
